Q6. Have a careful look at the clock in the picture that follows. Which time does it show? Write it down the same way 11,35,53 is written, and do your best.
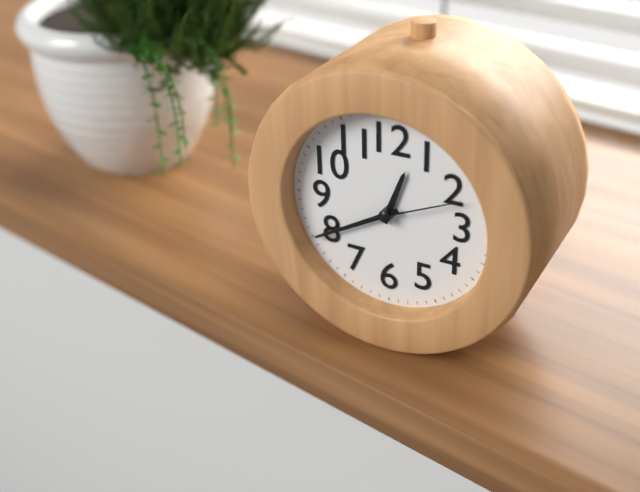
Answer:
12,40,11
